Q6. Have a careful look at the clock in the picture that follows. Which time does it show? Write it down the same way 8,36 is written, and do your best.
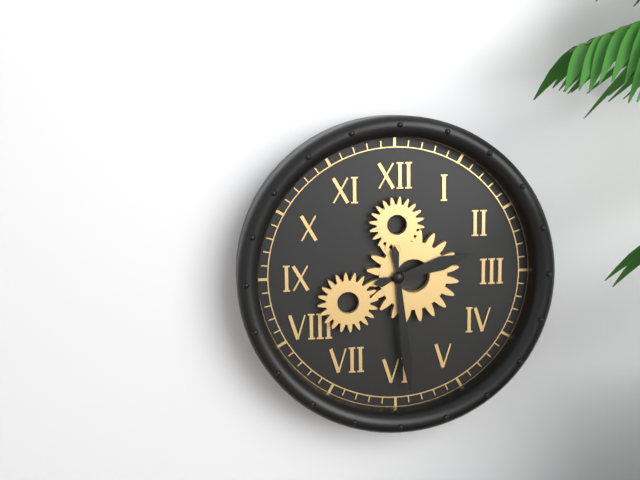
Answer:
2,29
